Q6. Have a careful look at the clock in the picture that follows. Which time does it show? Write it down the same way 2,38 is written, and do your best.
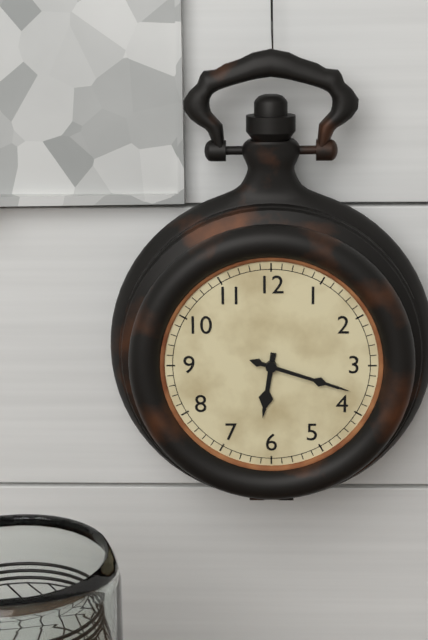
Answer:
6,18
